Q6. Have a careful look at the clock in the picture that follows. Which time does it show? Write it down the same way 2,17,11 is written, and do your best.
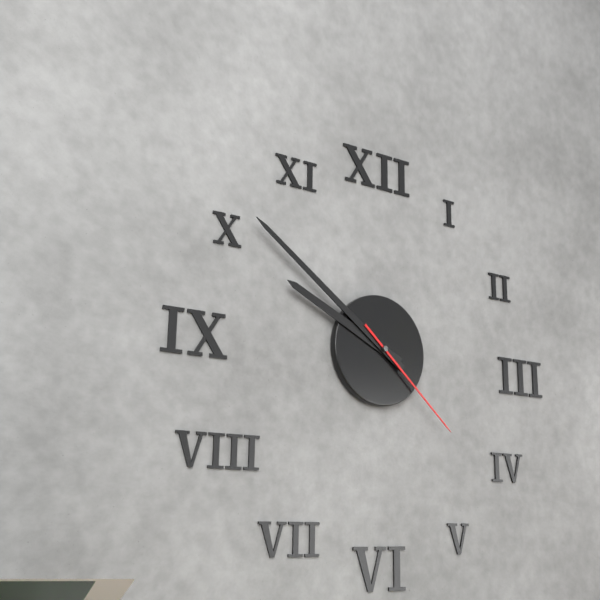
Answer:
9,51,22
